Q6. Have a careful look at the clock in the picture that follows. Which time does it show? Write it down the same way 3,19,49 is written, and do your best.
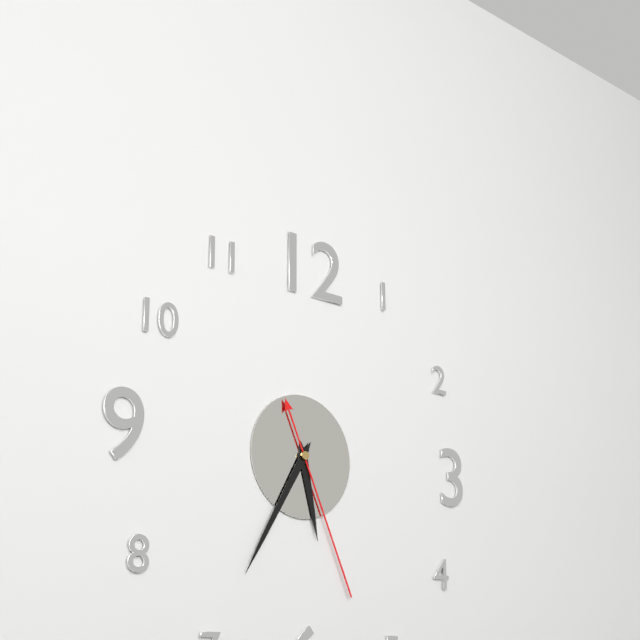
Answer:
5,35,26
